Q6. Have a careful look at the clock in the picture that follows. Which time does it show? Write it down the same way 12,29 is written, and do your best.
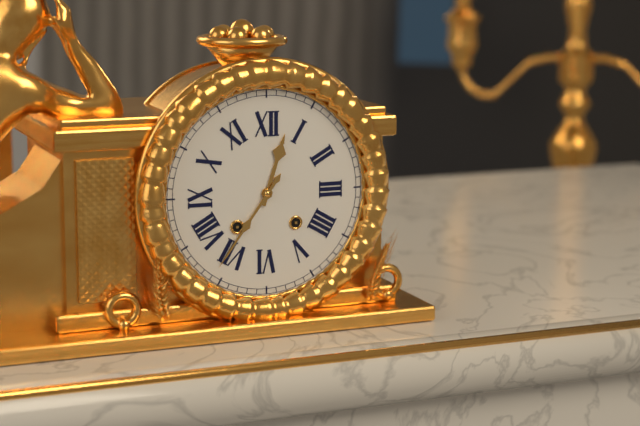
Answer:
12,36
